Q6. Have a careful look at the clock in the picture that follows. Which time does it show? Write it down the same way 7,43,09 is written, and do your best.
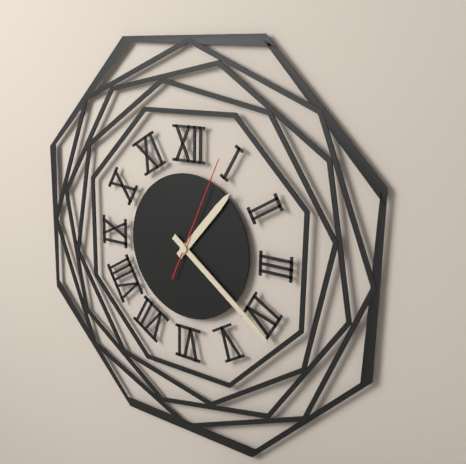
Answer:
1,21,04
